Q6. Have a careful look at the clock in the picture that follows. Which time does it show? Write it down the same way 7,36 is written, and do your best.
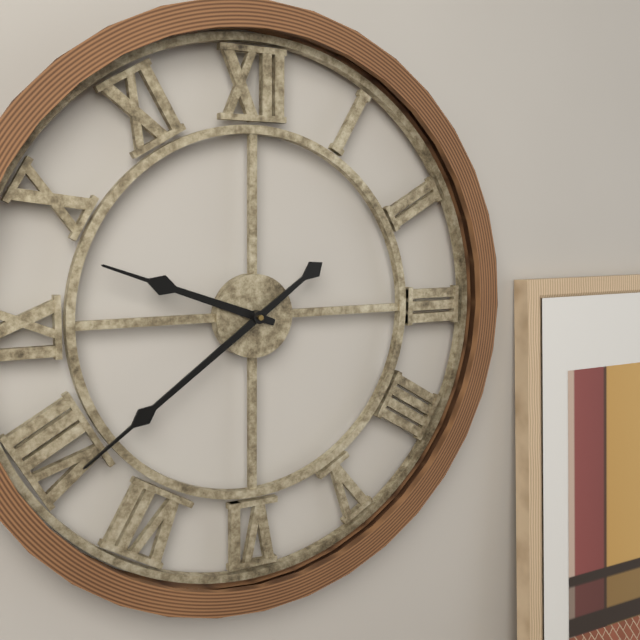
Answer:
9,39
